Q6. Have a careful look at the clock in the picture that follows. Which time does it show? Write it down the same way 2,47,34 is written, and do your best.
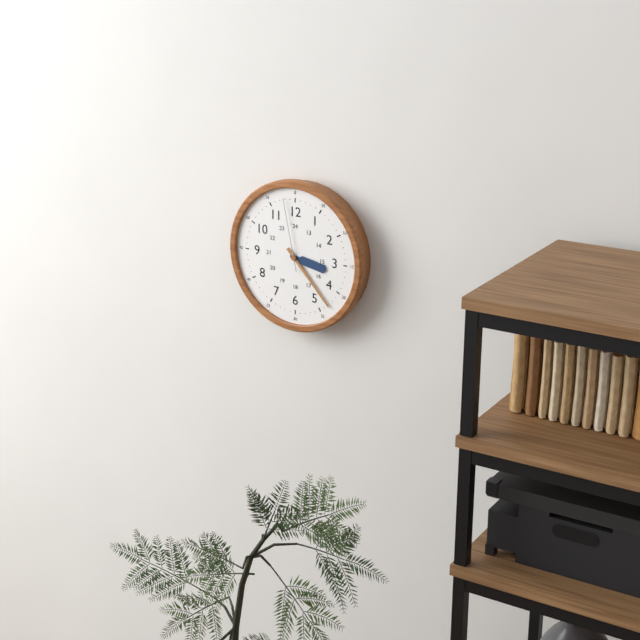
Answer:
3,23,58
